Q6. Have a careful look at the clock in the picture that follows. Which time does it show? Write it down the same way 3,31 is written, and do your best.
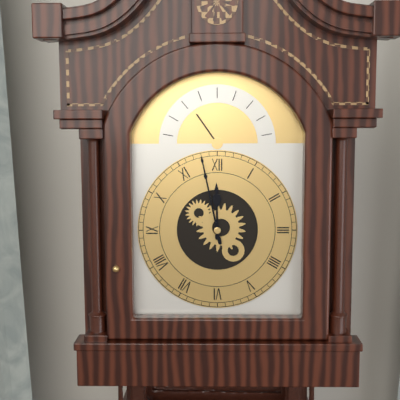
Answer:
11,58
